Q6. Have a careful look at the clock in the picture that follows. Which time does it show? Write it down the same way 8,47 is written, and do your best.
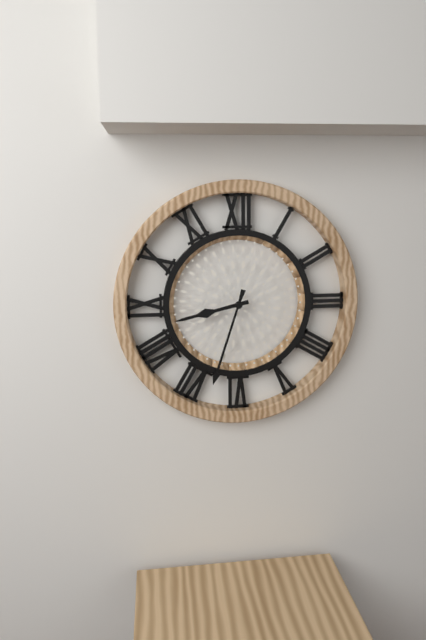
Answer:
8,33
